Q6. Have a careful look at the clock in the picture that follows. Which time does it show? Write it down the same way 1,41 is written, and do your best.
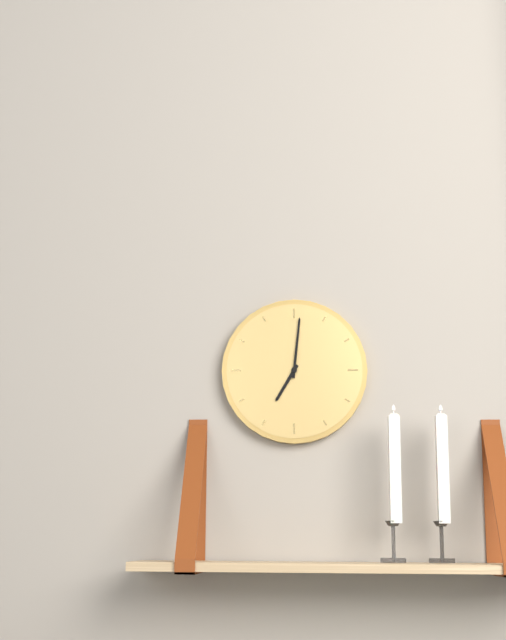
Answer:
7,01
